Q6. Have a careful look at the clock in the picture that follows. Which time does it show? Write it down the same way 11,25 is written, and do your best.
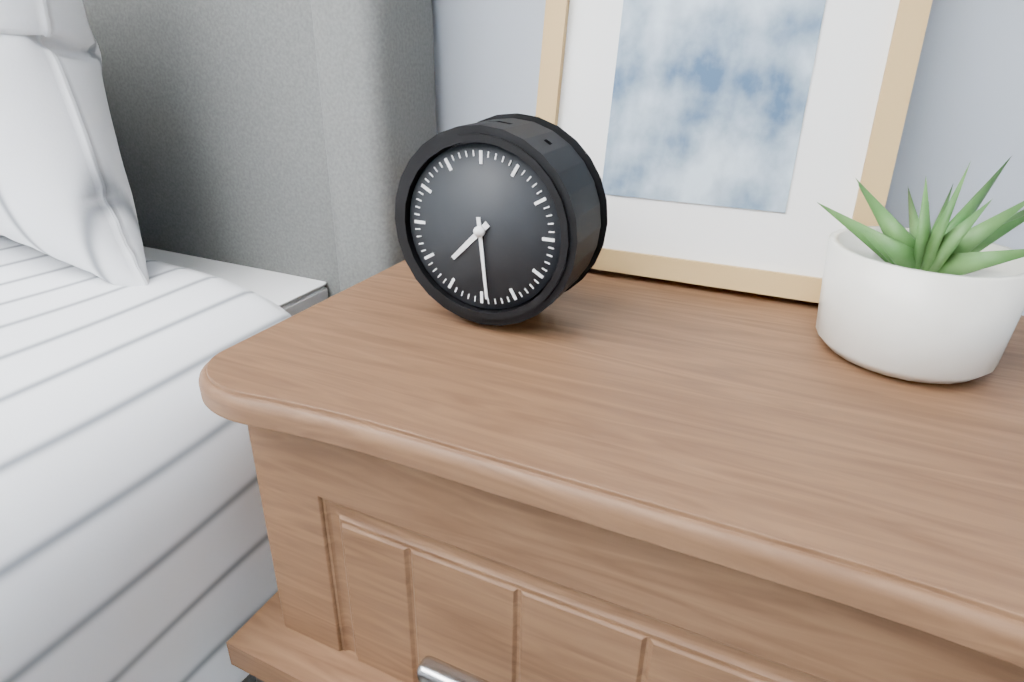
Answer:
7,29
